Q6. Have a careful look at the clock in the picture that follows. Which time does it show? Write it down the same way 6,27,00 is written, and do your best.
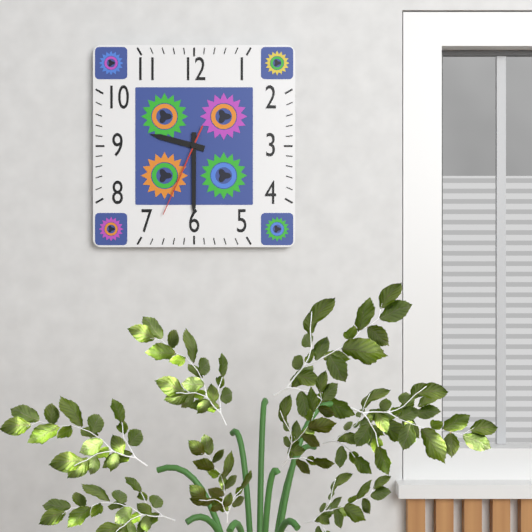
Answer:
9,30,34
